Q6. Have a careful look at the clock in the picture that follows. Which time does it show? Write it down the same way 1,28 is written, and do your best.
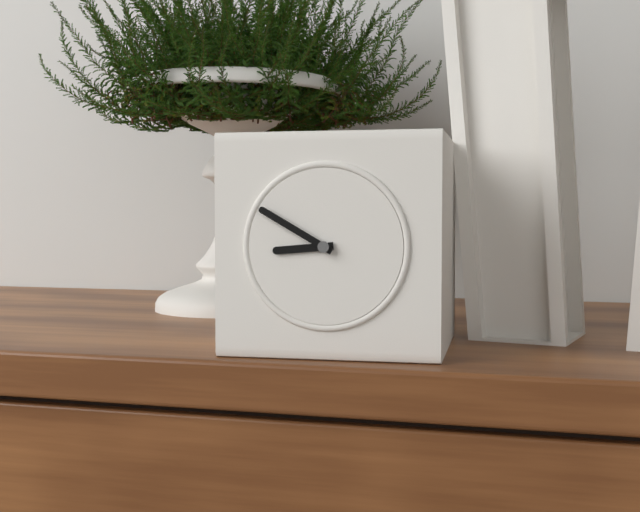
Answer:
8,50
